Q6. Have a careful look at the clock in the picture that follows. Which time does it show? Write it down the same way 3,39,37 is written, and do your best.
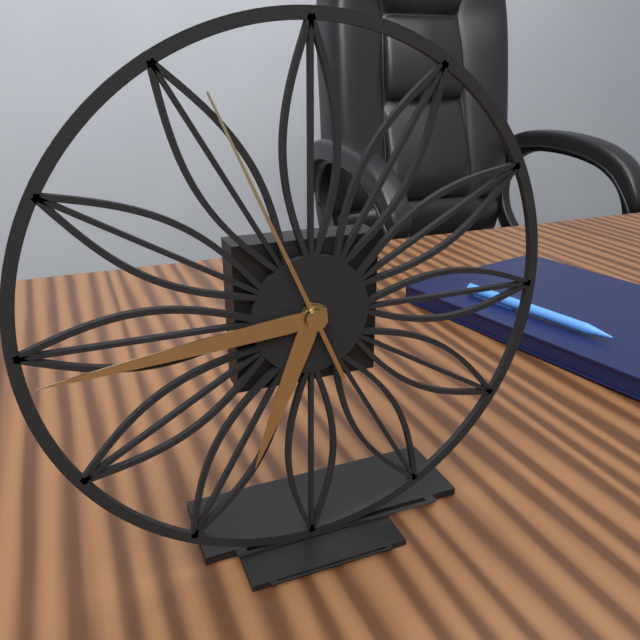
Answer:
6,44,56
